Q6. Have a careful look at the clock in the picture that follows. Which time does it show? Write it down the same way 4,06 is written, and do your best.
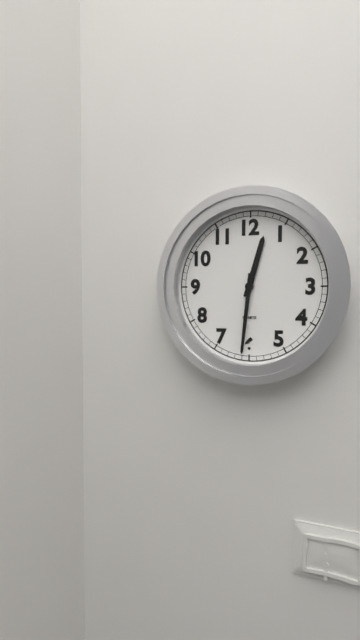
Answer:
12,31
